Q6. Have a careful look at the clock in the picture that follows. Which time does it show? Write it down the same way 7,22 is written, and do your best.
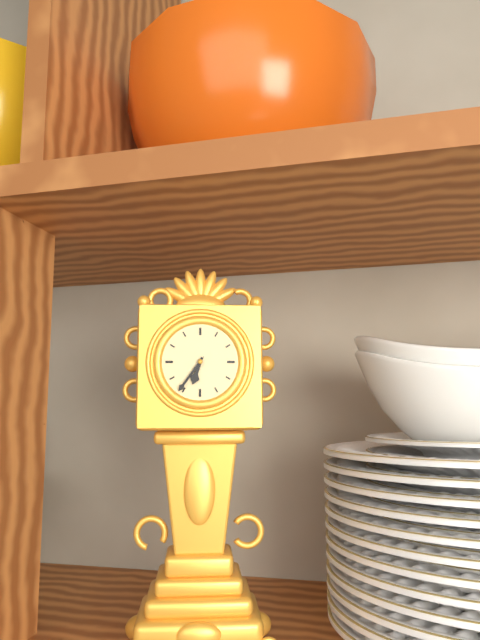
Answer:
6,36
